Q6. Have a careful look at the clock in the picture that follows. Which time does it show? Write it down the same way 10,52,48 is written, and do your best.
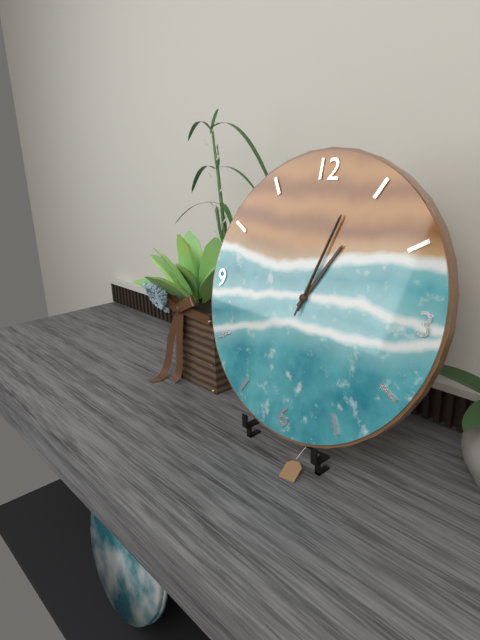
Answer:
1,03,03
